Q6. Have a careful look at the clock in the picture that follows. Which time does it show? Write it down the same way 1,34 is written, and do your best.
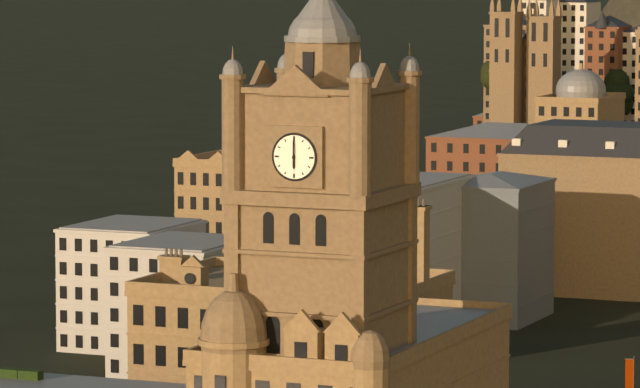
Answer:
6,00
